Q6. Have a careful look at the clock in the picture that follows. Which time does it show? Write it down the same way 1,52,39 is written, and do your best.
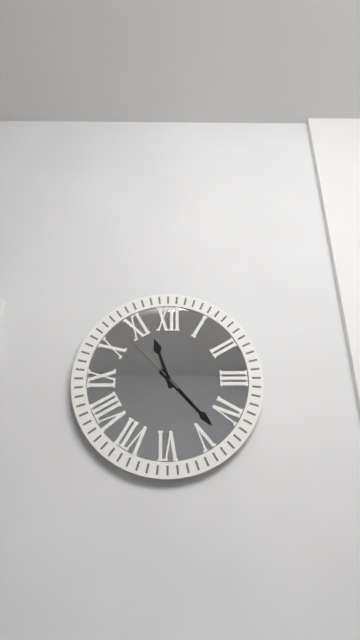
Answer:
11,23,53
